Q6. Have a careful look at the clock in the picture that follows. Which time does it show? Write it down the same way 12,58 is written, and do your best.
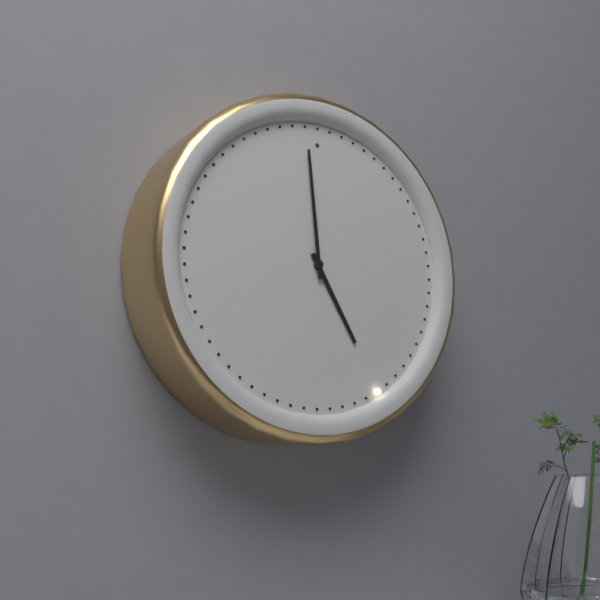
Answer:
4,59
